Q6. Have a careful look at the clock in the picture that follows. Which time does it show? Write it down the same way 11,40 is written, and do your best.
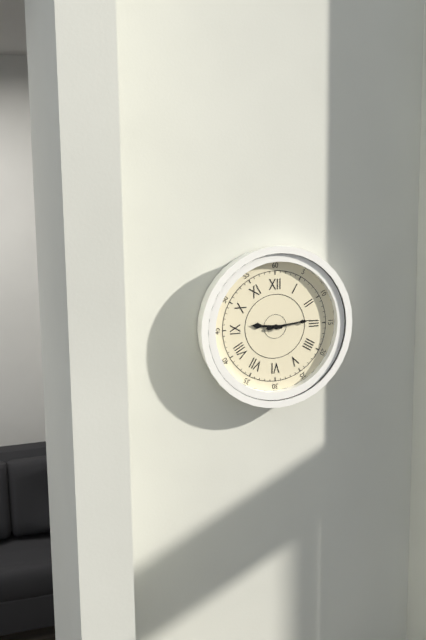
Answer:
9,14
